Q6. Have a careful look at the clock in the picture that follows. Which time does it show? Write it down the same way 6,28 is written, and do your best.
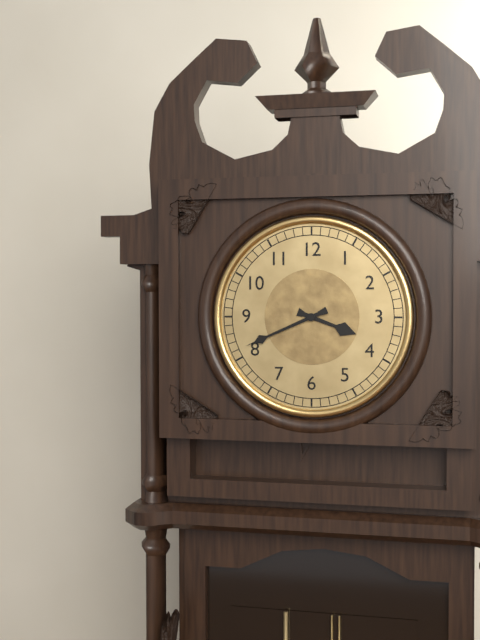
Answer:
3,41
